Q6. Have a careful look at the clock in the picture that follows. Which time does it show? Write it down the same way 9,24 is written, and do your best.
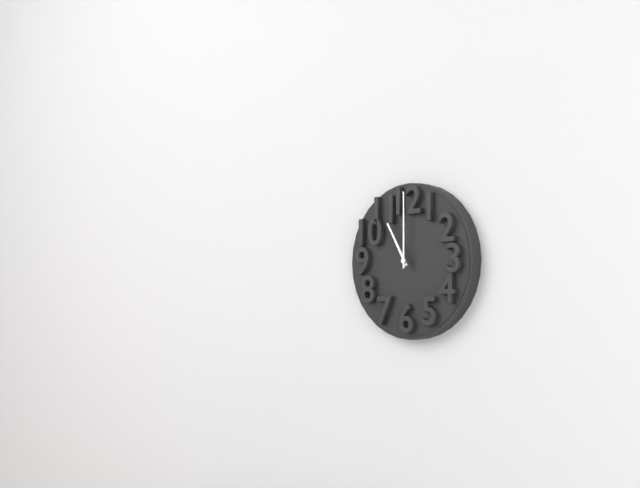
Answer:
11,00
